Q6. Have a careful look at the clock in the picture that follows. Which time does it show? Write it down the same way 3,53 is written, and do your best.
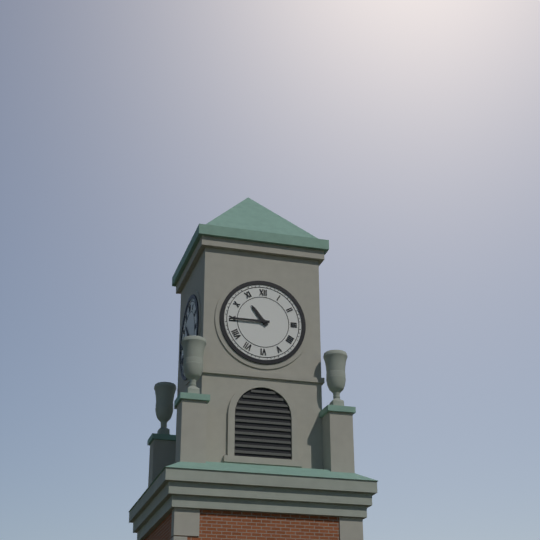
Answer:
10,45
